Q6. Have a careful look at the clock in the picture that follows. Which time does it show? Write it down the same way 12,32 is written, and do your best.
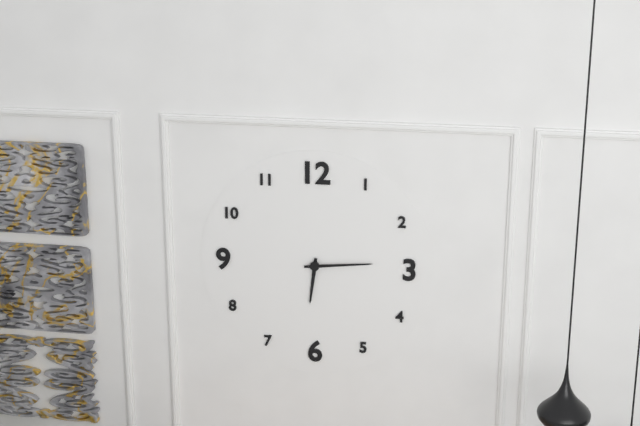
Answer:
6,14
